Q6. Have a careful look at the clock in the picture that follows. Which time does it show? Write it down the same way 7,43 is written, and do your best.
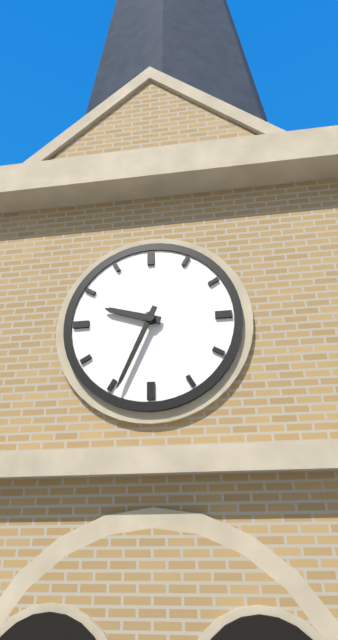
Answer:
9,34
